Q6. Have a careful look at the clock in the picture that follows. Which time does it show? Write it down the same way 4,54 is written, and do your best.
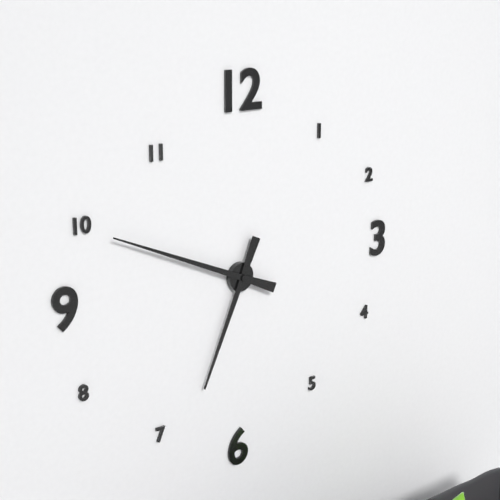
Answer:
6,49
